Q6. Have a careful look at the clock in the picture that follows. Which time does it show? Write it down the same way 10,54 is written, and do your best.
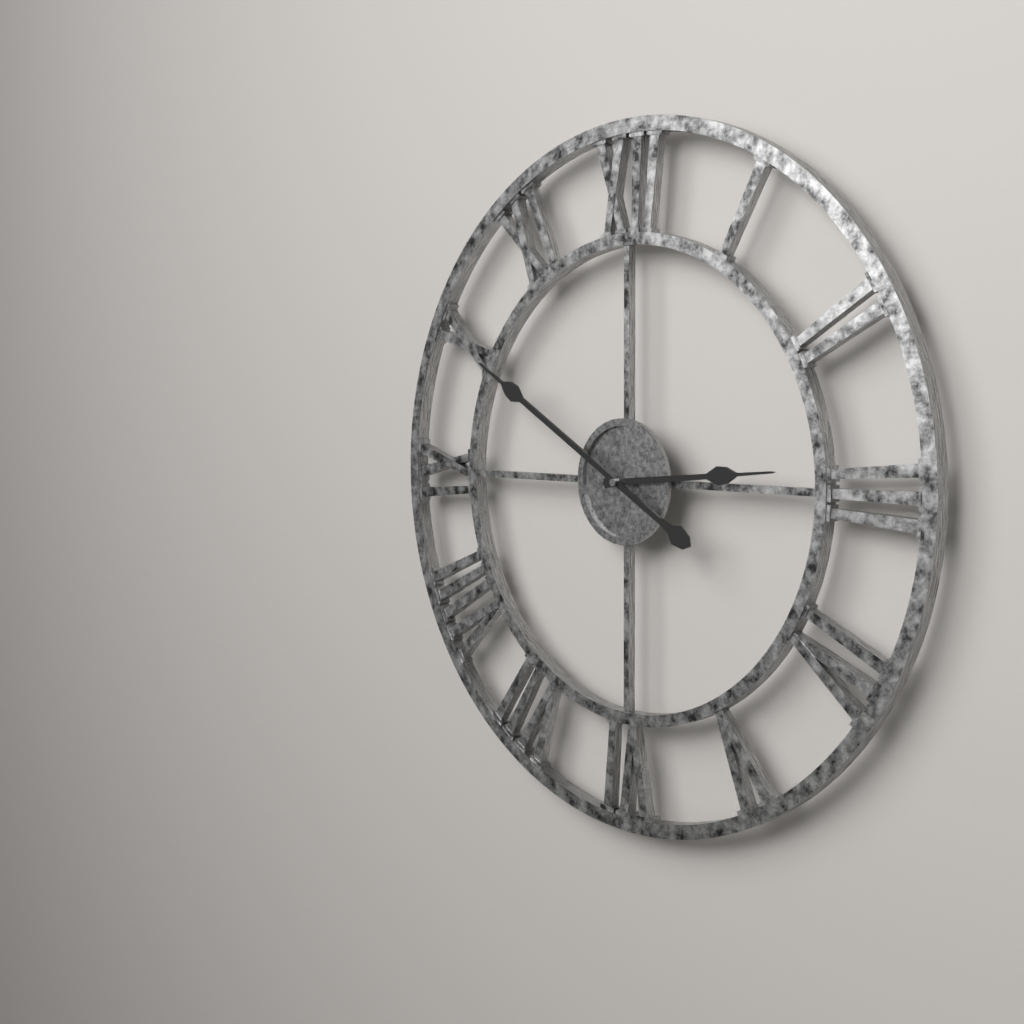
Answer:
2,50
